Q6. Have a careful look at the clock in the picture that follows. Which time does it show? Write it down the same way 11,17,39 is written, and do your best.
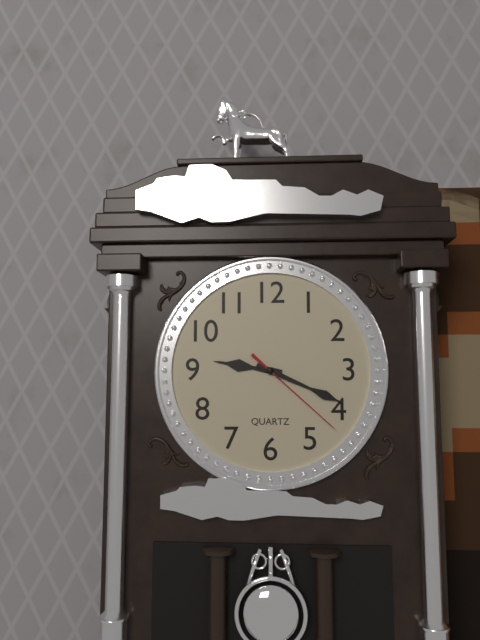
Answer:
9,19,22
